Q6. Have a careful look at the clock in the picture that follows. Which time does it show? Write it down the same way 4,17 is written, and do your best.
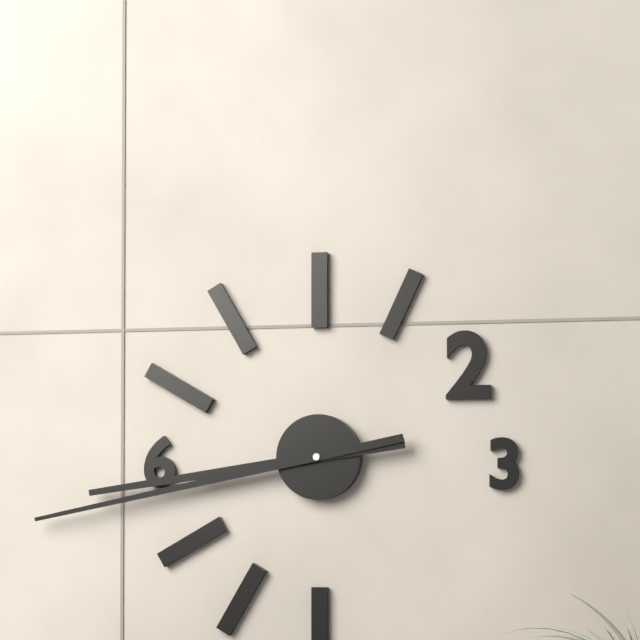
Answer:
8,43
